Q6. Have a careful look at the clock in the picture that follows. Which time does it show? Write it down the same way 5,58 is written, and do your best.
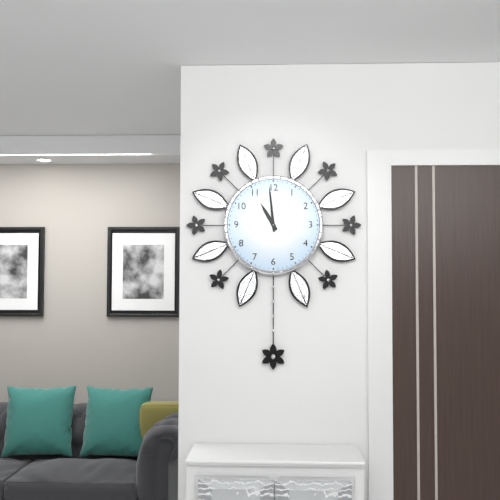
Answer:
10,59
